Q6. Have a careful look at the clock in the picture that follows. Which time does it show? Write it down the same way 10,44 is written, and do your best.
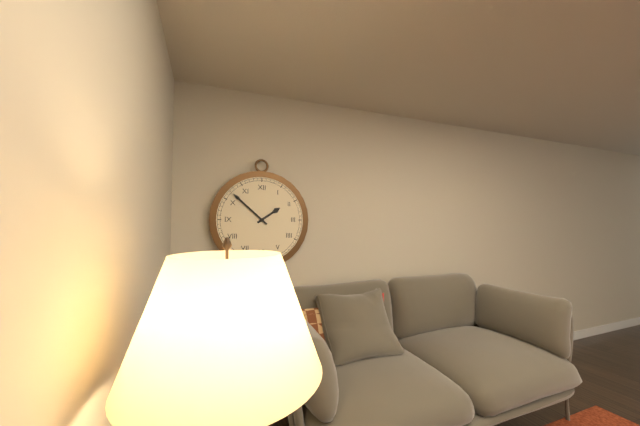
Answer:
1,52
